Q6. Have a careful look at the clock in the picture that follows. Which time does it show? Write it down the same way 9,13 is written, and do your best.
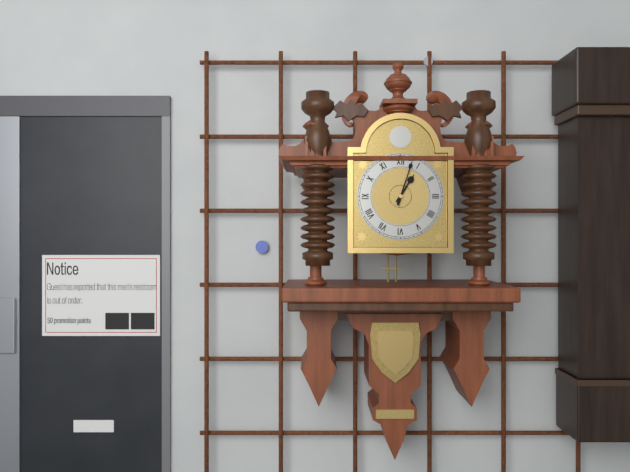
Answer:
1,03
